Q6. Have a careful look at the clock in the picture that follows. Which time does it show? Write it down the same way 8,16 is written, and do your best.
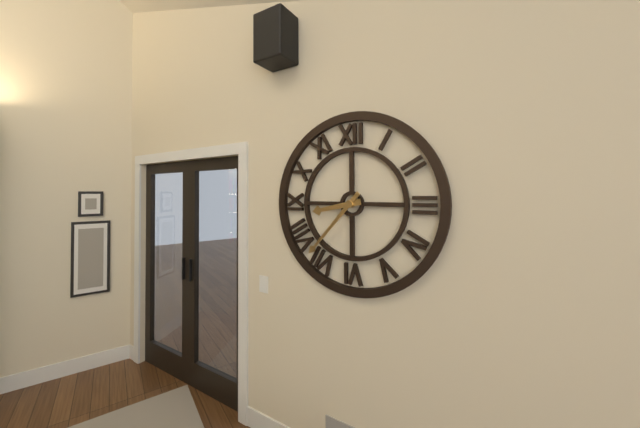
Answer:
8,37
